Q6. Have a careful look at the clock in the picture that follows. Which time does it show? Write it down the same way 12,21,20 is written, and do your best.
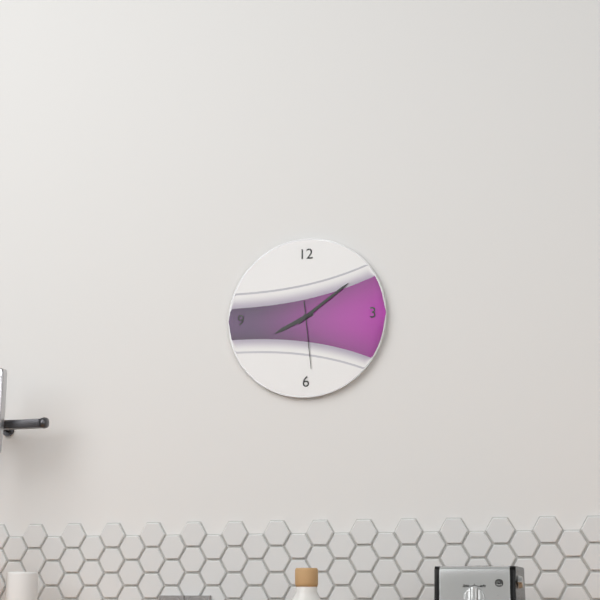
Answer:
8,09,29
